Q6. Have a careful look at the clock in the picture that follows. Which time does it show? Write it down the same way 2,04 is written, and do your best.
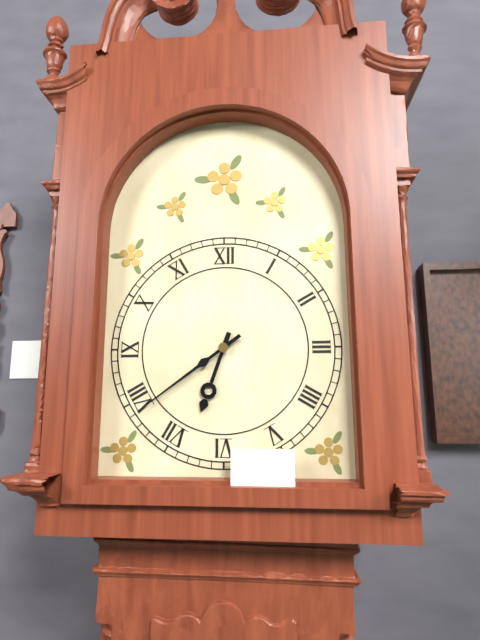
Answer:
6,39
